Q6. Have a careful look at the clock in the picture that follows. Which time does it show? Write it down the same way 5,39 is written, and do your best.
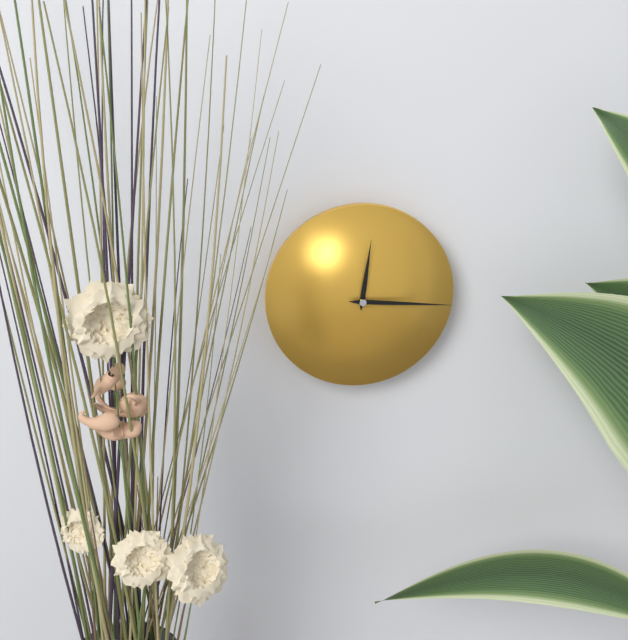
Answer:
12,16
